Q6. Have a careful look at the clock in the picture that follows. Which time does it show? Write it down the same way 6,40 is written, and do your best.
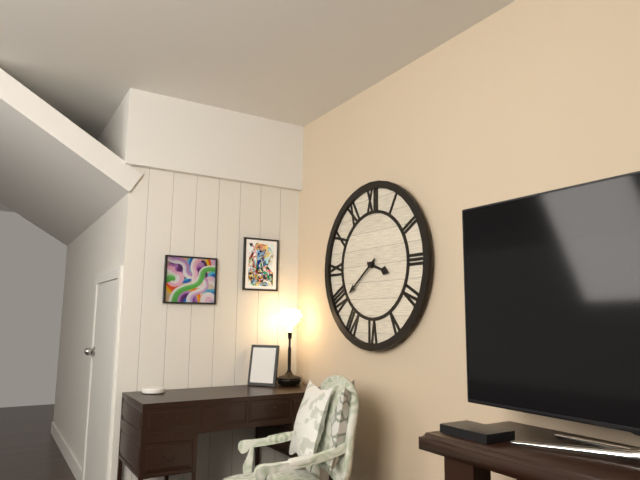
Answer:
3,39
